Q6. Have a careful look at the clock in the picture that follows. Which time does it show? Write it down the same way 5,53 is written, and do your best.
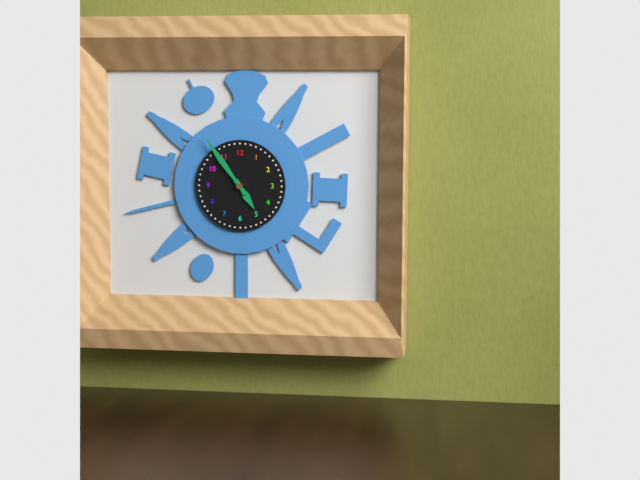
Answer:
4,54
